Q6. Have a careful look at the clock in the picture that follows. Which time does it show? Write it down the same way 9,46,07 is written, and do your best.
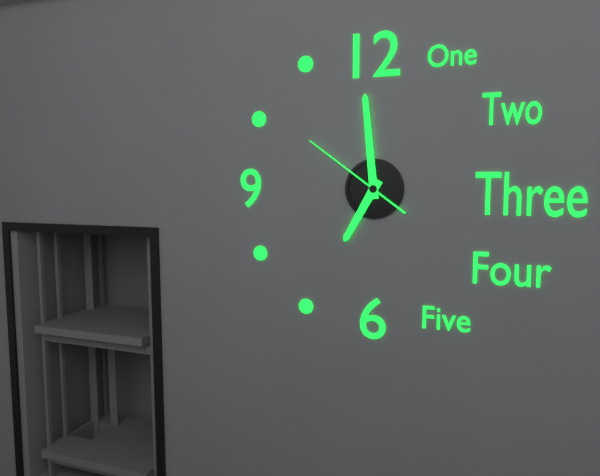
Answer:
6,59,51
